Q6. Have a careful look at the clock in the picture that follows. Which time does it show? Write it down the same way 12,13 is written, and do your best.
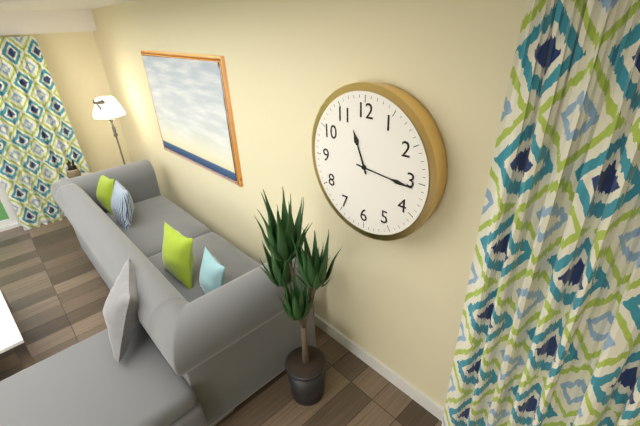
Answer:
11,16
